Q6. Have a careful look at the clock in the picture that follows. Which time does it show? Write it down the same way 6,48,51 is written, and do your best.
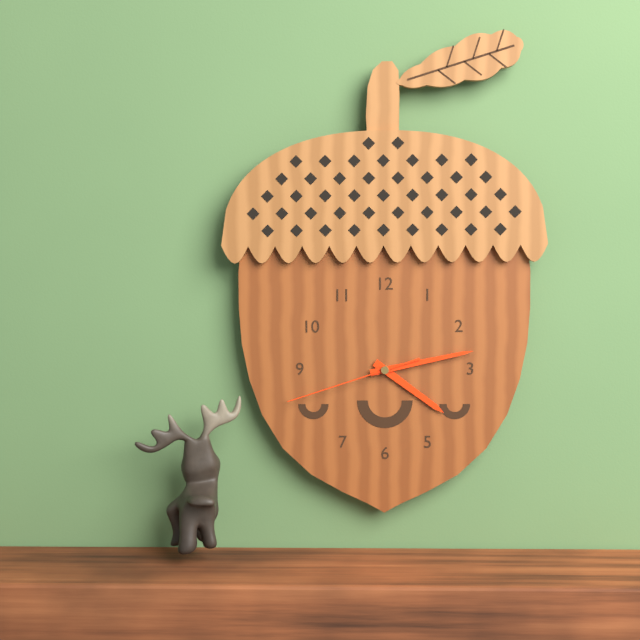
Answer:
4,13,42
